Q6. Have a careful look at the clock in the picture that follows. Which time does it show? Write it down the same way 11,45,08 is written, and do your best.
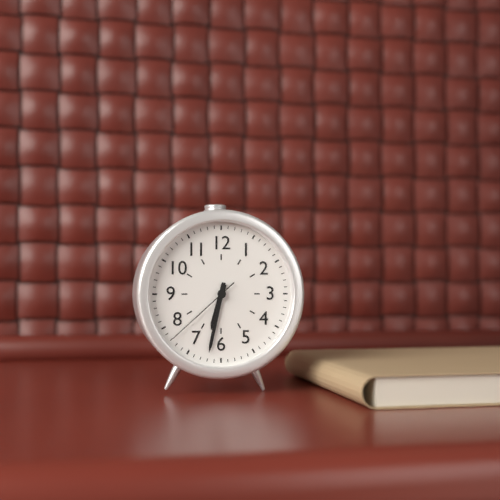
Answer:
6,32,38
